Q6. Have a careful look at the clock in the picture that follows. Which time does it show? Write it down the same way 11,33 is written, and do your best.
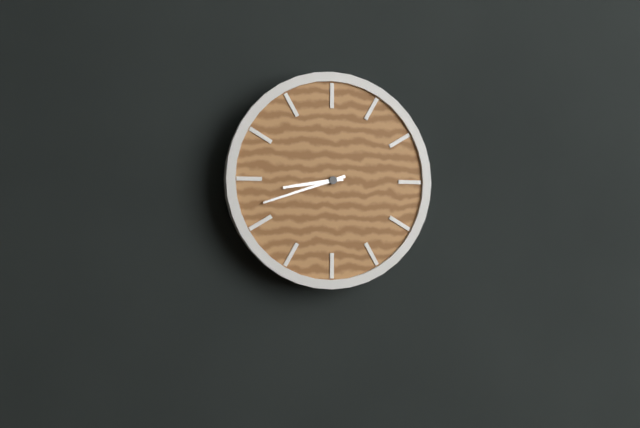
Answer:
8,42
